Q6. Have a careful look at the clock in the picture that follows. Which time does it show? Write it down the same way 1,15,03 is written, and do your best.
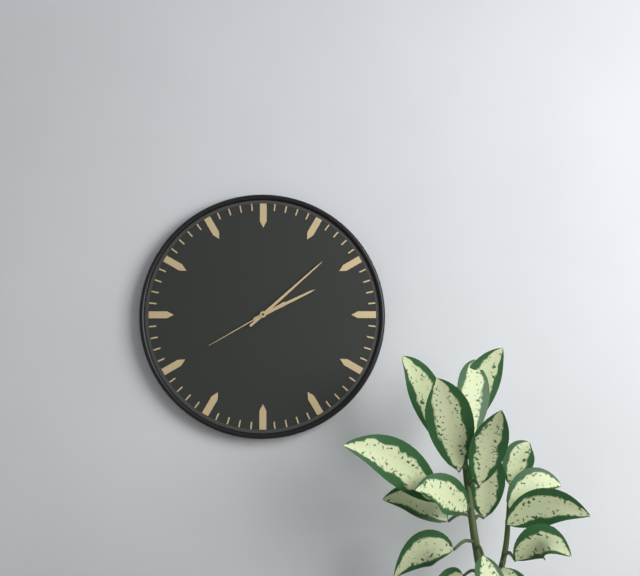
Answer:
2,08,40
